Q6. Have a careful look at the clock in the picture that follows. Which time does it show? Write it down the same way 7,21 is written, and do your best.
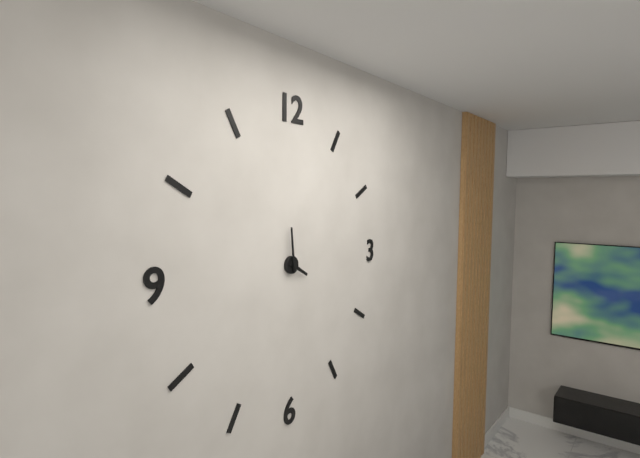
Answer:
3,59
